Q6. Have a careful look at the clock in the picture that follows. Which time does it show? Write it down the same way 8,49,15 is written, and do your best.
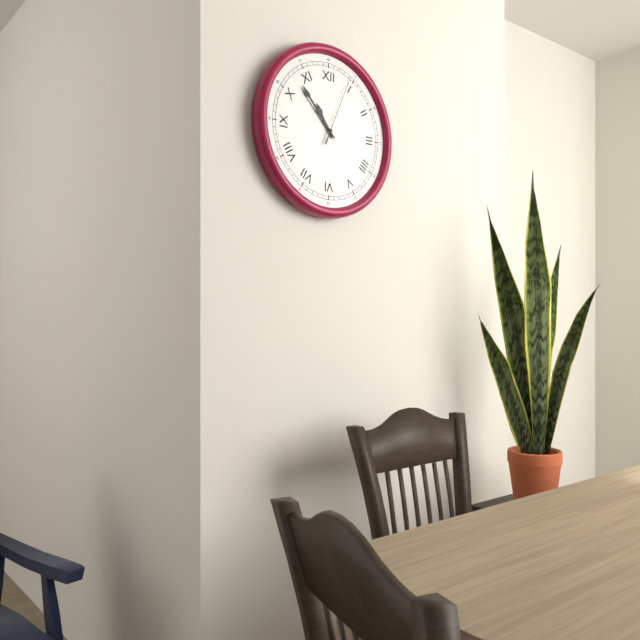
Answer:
10,53,04
